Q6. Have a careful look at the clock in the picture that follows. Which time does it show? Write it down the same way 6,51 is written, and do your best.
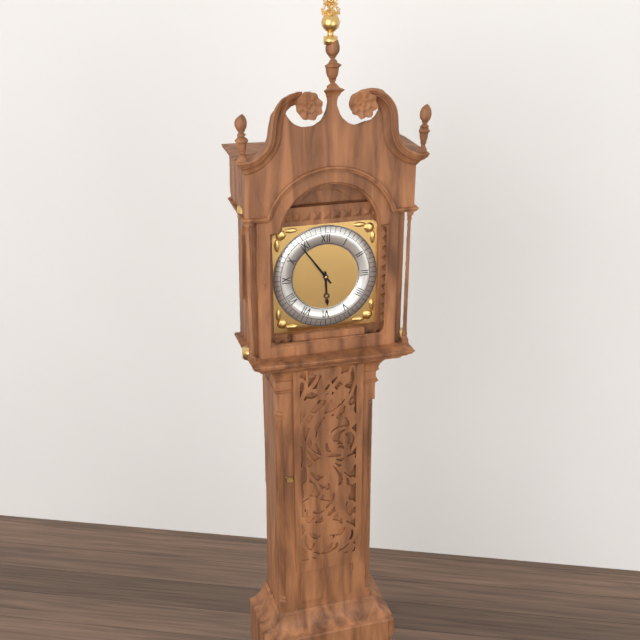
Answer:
5,54
